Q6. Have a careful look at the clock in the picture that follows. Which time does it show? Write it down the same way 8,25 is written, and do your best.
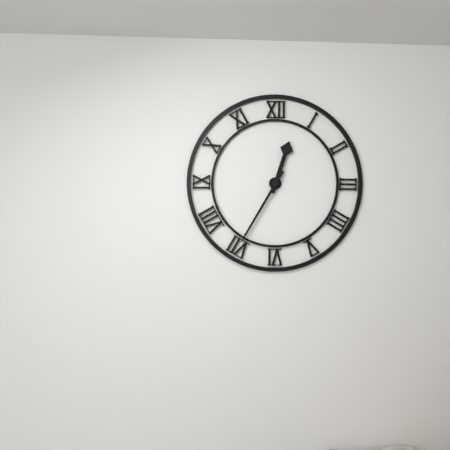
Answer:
12,35
